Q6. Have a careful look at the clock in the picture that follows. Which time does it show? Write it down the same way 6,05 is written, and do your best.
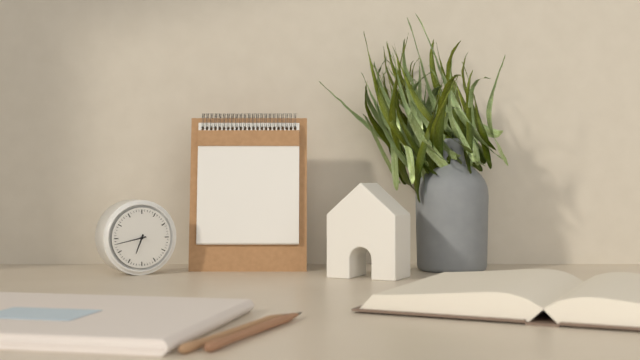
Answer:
6,43
